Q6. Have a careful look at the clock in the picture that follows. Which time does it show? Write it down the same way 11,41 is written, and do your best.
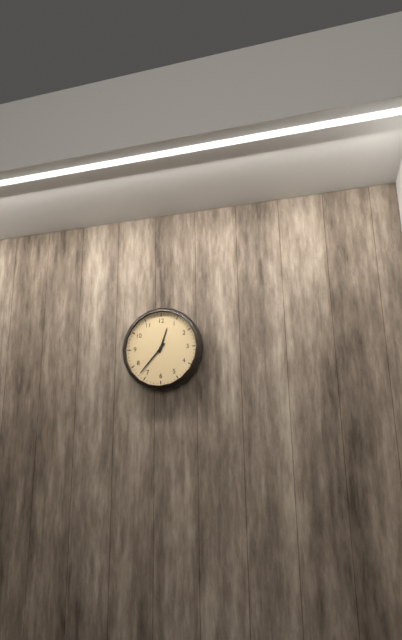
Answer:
12,37
